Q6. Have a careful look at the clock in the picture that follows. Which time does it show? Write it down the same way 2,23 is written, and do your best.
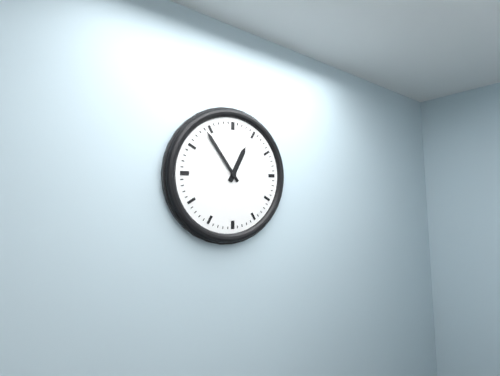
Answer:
12,54
